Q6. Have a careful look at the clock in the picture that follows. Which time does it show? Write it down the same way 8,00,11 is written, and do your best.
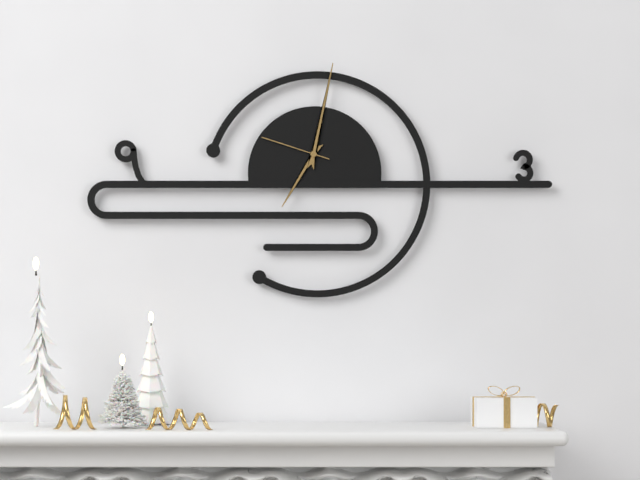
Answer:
7,02,48
